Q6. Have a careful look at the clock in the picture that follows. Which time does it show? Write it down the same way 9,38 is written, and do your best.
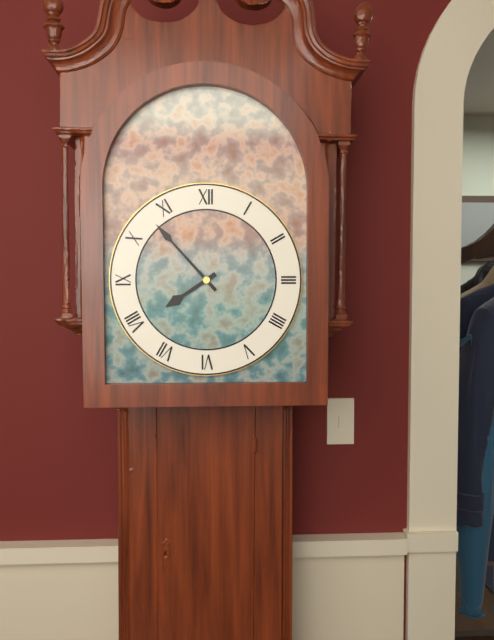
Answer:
7,53
